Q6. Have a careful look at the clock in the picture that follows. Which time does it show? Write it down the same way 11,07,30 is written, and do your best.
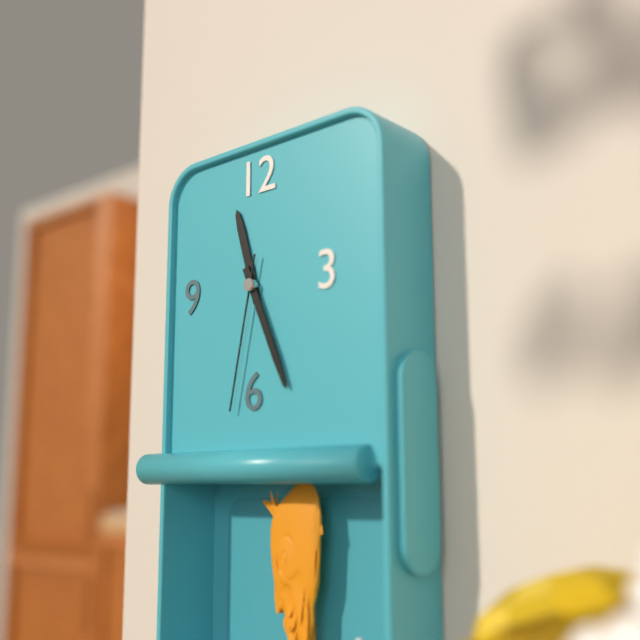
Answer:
11,26,32
